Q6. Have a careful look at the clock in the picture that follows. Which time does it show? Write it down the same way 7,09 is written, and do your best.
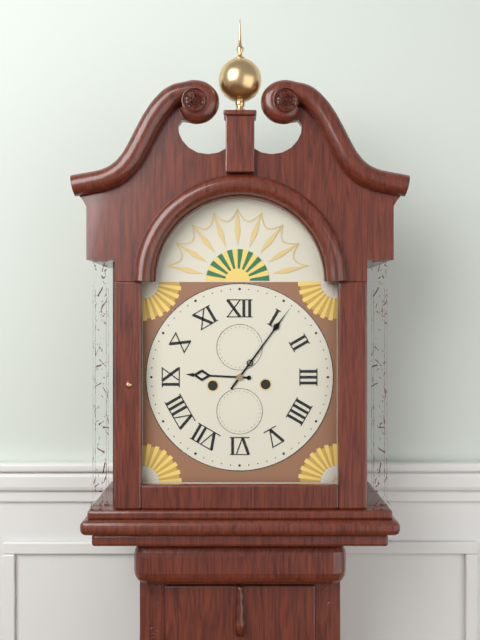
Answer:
9,06
